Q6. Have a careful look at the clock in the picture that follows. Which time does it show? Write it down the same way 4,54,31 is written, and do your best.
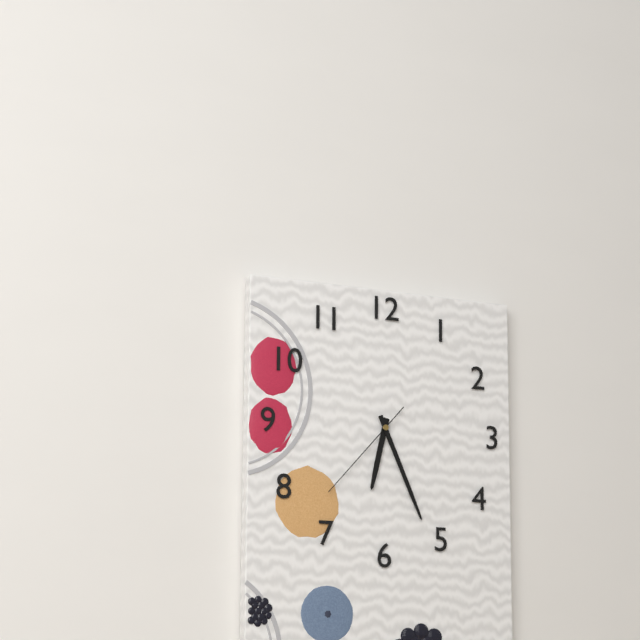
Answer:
6,26,37
